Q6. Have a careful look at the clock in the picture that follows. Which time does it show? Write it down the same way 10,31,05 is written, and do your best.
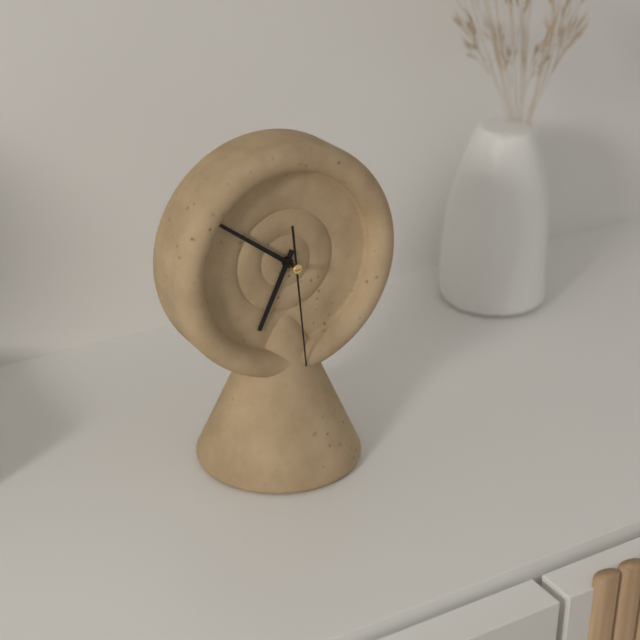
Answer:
6,51,29
